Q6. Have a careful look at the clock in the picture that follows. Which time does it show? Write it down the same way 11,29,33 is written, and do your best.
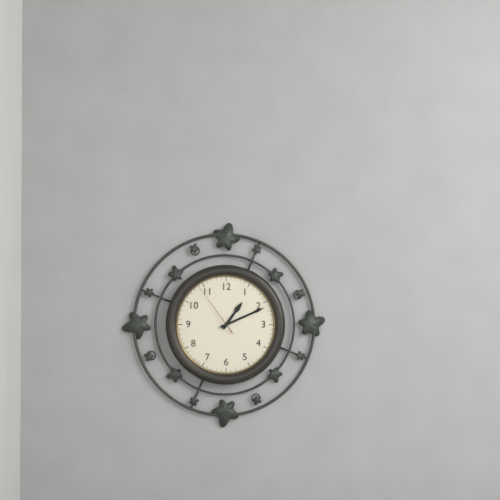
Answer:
1,11,54
